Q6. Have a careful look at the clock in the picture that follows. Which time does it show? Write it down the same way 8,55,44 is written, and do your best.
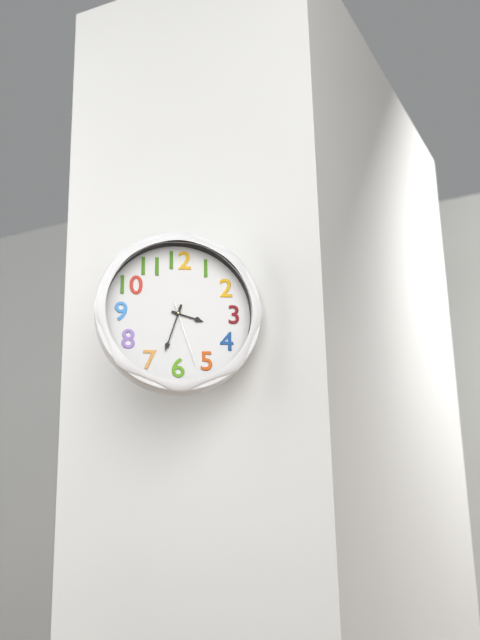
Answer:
3,33,27
